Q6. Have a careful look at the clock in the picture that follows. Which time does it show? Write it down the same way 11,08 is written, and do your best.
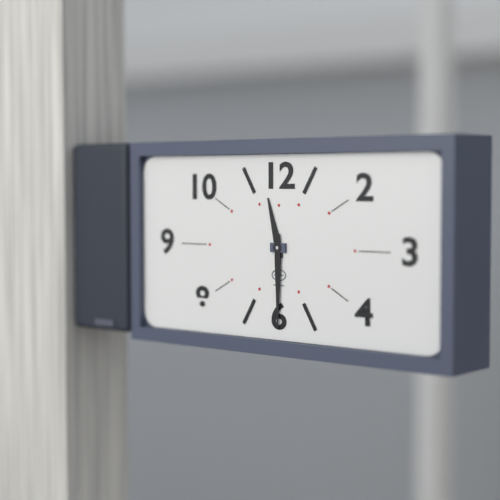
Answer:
11,30
